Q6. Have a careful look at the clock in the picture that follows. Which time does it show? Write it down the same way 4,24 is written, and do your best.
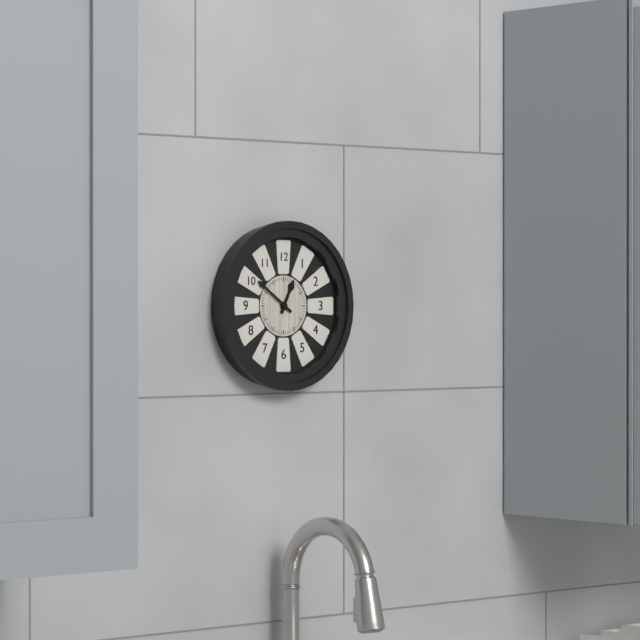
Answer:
12,51
